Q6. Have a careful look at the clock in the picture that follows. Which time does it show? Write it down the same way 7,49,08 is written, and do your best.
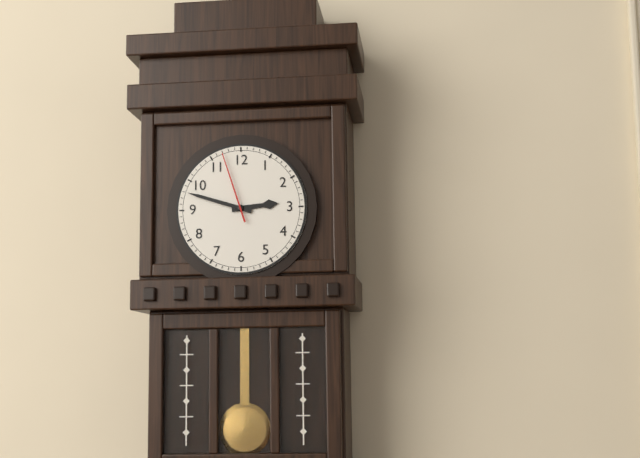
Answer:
2,48,57
